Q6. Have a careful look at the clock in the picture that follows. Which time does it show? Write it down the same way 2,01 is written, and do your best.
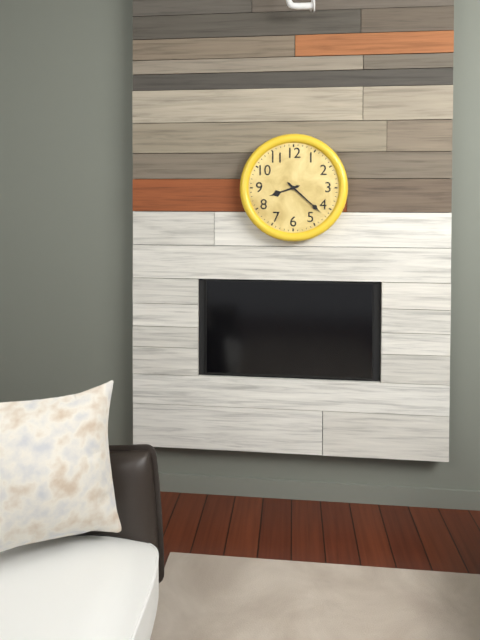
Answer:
8,22
